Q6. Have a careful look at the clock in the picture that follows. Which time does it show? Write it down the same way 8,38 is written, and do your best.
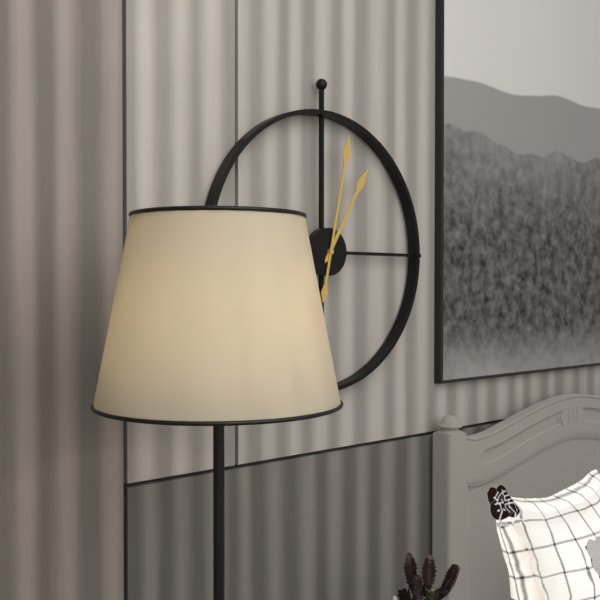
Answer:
1,02
